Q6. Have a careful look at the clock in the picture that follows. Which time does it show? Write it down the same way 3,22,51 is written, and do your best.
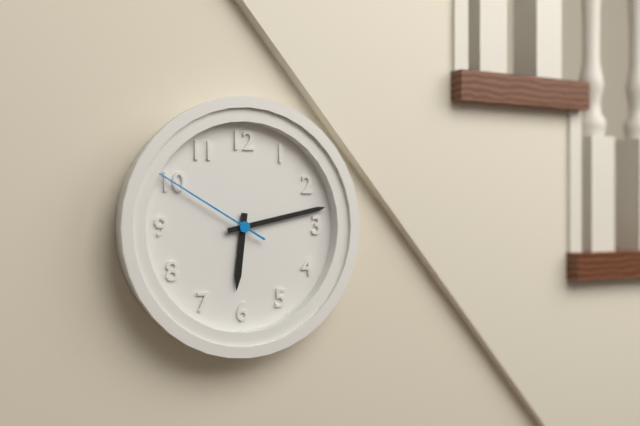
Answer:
6,13,50
